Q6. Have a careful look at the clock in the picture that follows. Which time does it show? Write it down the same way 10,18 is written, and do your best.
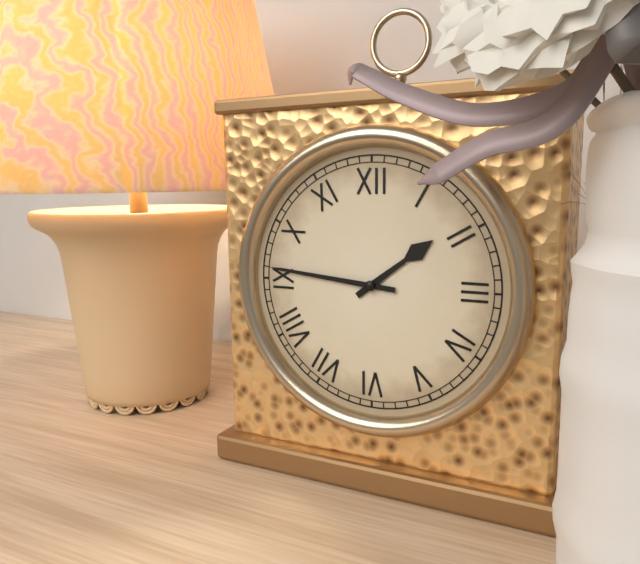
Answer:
1,46
